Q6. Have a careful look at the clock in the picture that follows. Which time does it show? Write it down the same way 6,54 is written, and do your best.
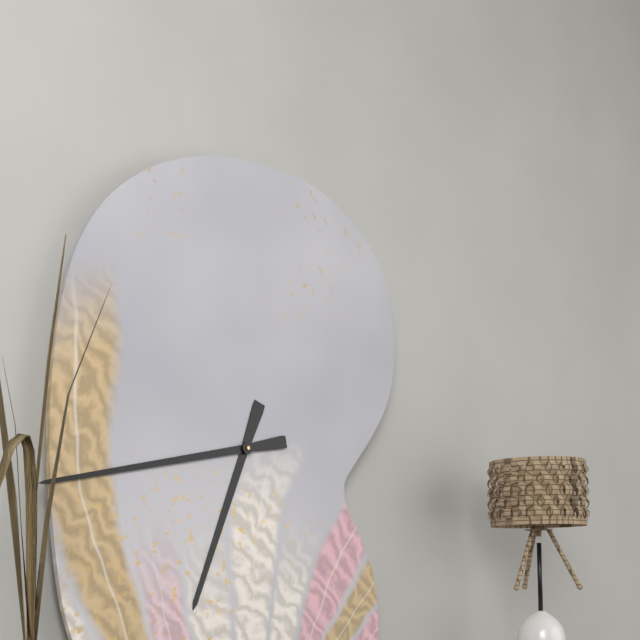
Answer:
6,43
